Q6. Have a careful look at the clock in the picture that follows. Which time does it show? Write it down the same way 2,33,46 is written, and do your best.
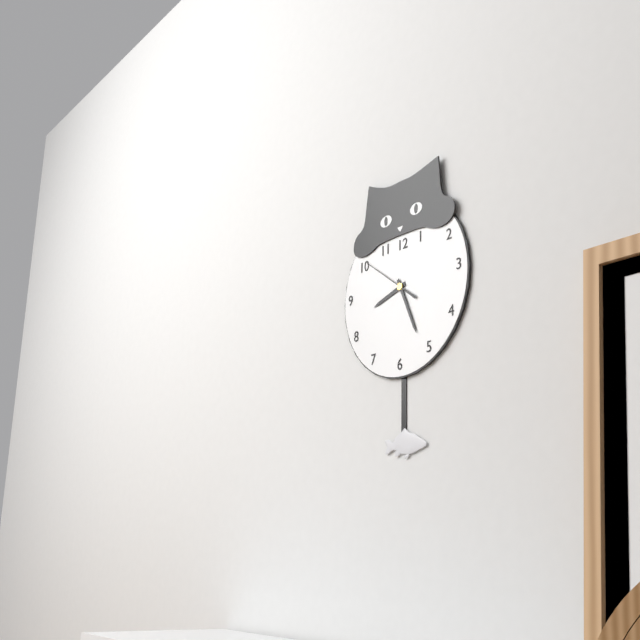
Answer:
8,26,51
